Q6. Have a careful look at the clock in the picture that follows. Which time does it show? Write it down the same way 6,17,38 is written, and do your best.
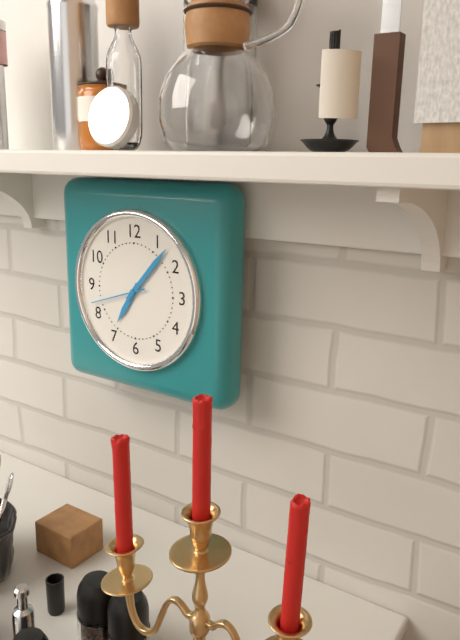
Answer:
7,07,42
